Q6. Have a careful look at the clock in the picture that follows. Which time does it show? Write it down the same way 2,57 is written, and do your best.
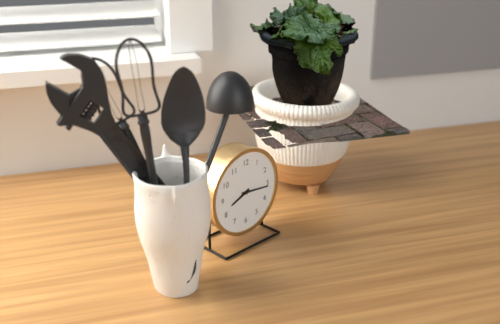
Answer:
8,16
